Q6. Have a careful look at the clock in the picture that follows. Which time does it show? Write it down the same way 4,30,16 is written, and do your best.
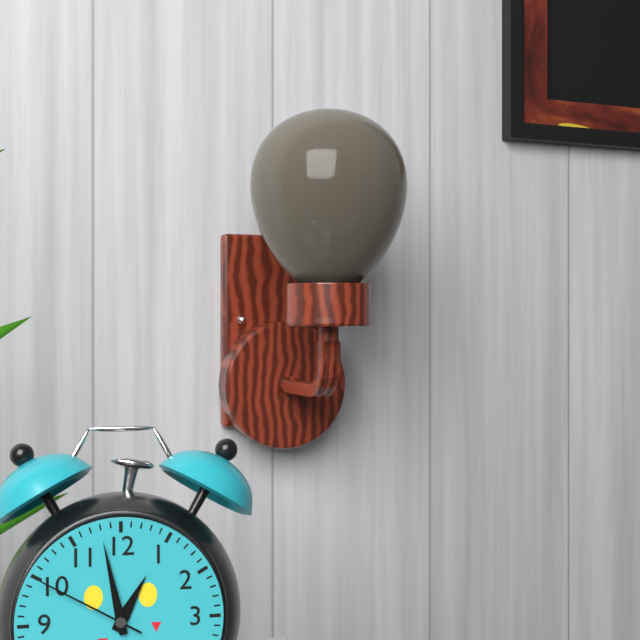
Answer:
12,58,50
